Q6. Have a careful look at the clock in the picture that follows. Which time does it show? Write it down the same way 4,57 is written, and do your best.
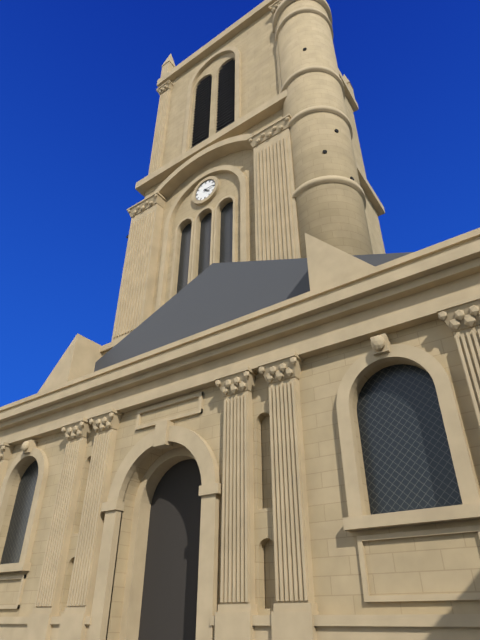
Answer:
4,15
